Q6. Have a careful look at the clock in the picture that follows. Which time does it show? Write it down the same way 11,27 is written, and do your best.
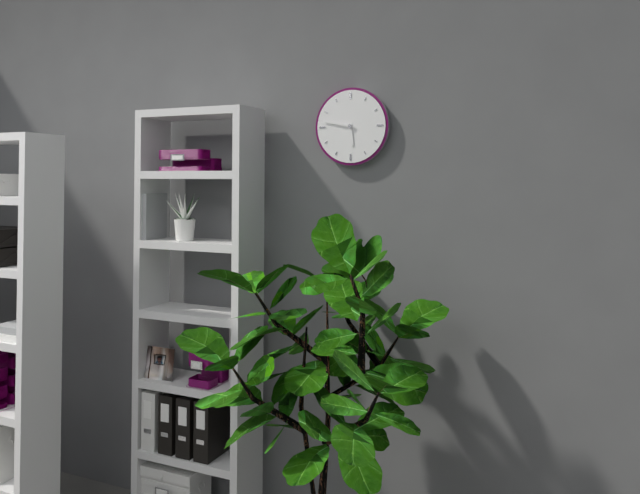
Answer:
5,47
